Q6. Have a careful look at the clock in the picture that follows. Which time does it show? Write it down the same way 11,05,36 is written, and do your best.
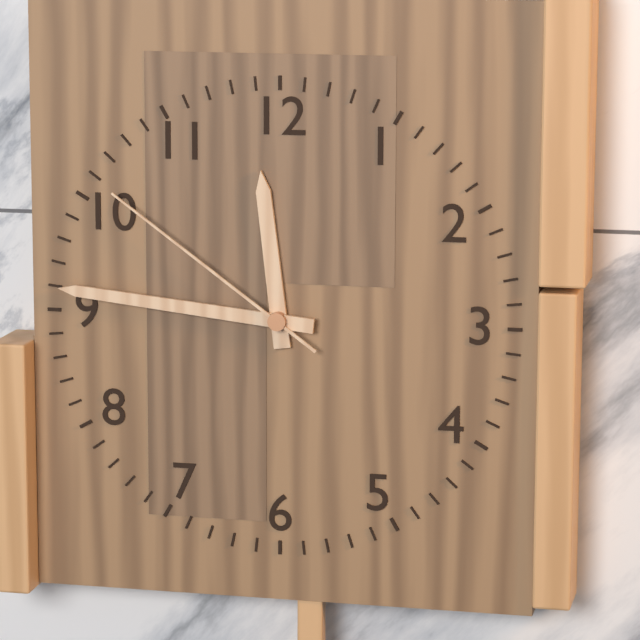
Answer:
11,46,51
